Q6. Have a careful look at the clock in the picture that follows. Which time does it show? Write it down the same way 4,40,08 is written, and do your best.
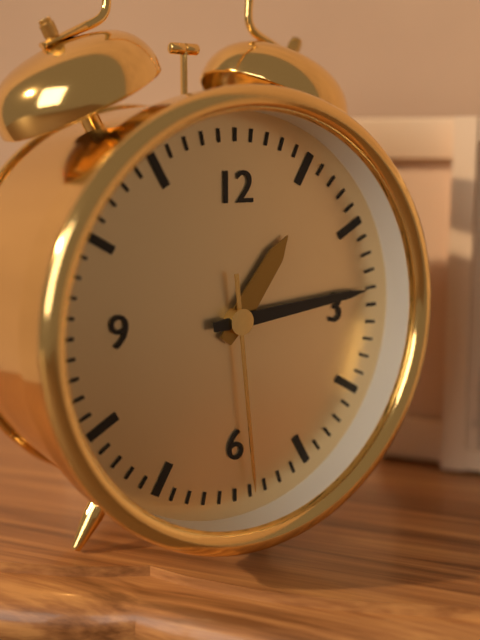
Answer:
1,14,29
